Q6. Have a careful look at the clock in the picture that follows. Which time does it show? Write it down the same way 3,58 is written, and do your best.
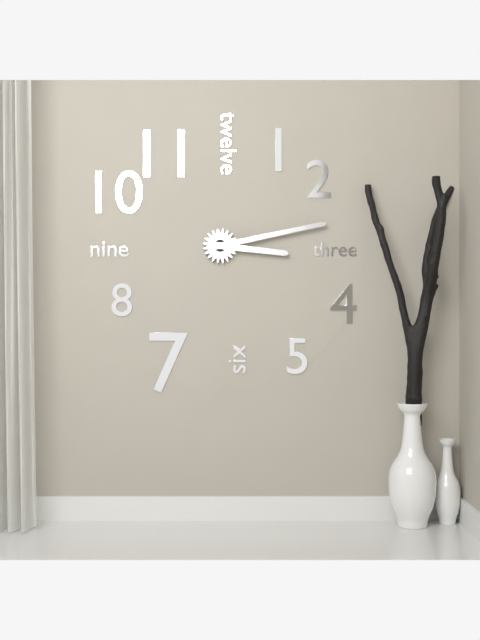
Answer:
3,13
